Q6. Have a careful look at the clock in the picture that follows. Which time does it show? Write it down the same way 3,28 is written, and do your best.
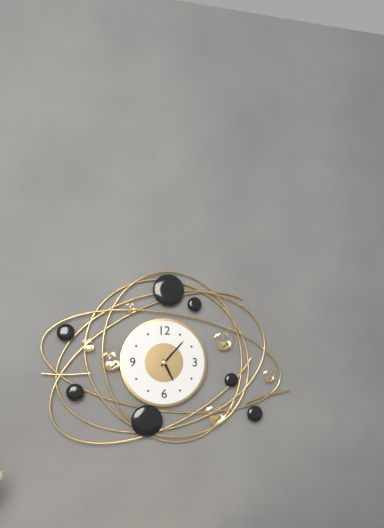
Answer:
5,07
